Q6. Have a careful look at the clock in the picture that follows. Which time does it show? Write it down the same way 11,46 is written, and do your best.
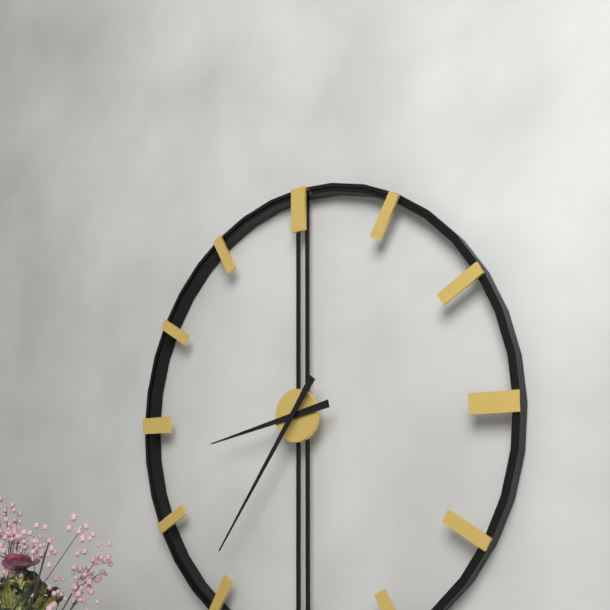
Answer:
8,36
